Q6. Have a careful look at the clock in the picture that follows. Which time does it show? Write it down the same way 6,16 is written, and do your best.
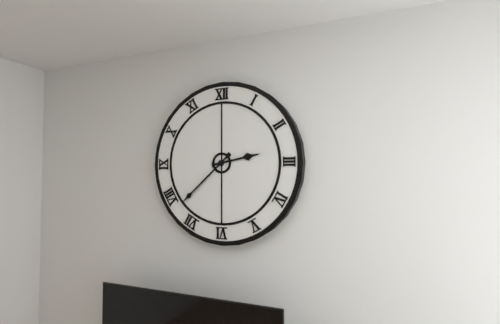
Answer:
2,38
